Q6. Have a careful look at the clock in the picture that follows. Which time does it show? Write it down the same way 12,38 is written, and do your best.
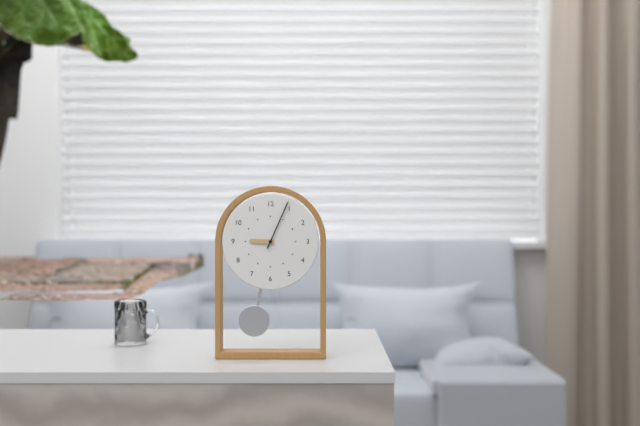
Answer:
9,04
